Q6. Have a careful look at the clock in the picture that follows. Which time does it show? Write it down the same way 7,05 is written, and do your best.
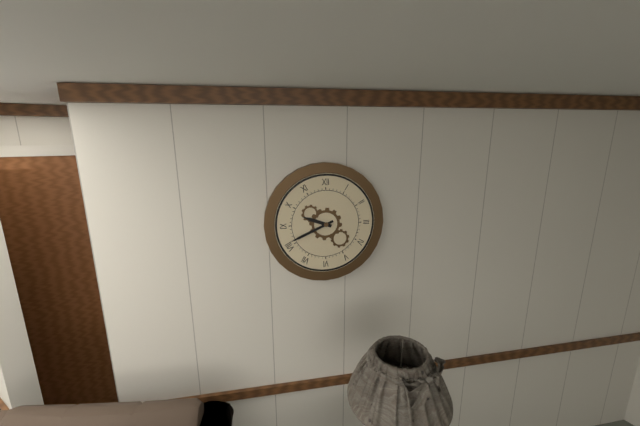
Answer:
9,41
